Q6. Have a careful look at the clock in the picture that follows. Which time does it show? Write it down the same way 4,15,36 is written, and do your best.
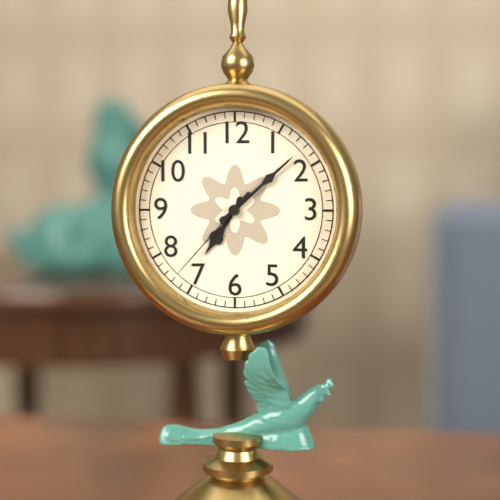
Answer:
7,08,37
